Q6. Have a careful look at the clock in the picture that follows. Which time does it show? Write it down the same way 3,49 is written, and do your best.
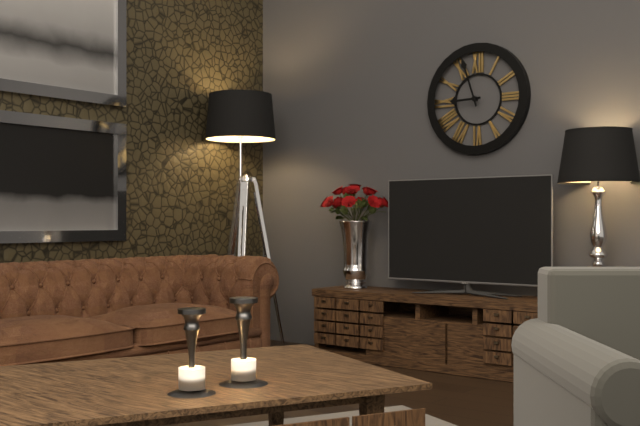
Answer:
8,57
